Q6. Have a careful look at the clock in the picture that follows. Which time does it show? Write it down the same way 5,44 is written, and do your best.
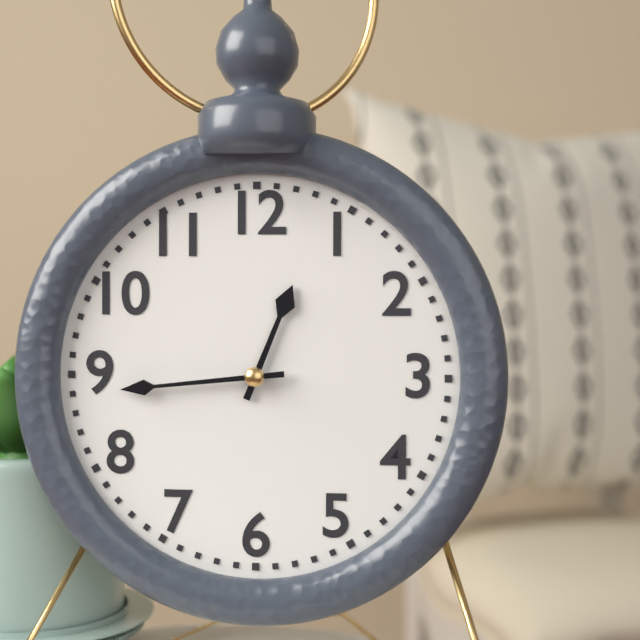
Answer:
12,44
